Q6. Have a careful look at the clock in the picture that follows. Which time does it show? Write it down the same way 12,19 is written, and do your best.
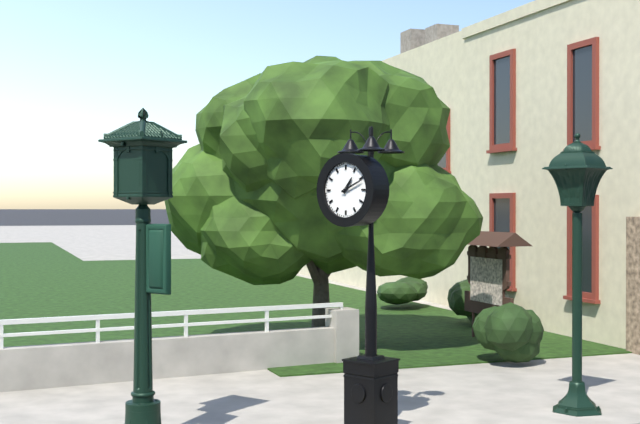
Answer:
1,11
